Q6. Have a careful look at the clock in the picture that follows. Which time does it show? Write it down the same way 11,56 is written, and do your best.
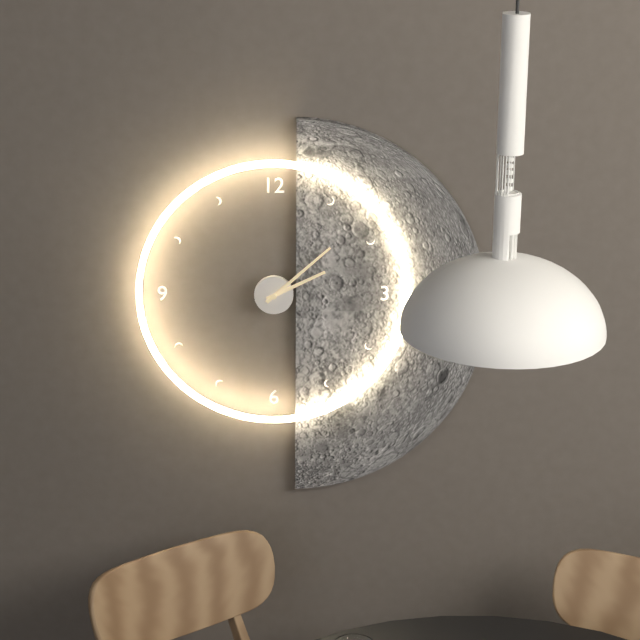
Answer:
2,08
